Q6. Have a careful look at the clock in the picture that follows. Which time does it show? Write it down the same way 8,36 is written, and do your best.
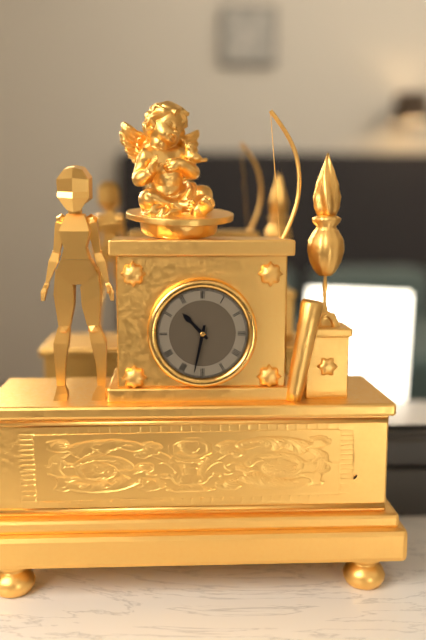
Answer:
10,32
